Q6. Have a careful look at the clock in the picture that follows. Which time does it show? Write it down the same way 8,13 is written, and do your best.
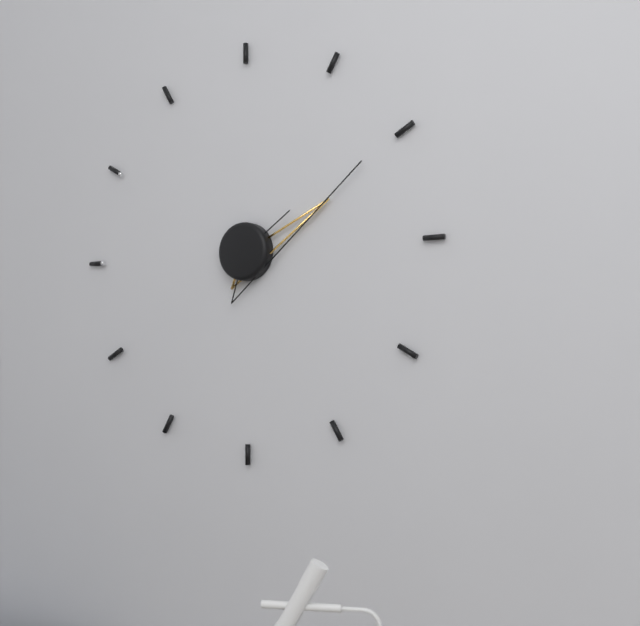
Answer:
2,10
